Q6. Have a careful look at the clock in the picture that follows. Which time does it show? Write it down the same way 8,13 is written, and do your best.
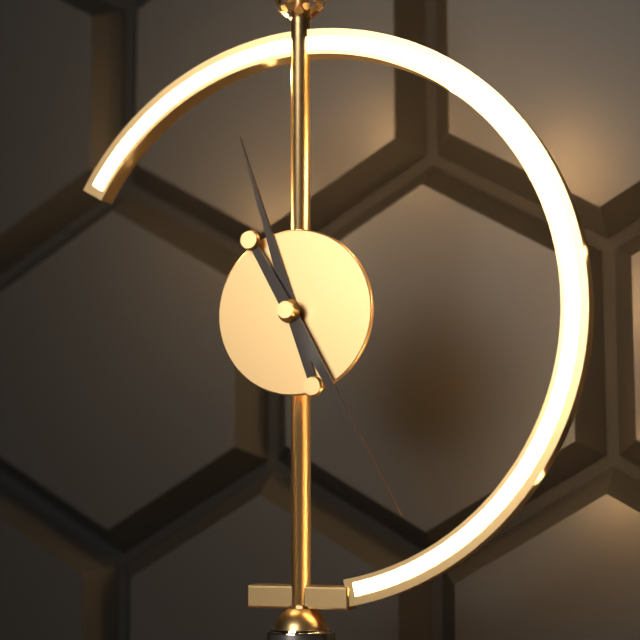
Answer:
11,25
